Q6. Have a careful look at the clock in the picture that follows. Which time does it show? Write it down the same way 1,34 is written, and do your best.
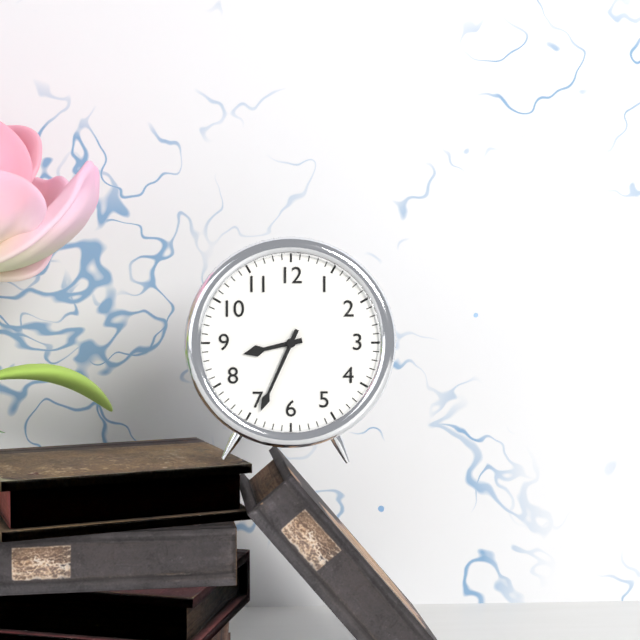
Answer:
8,34
